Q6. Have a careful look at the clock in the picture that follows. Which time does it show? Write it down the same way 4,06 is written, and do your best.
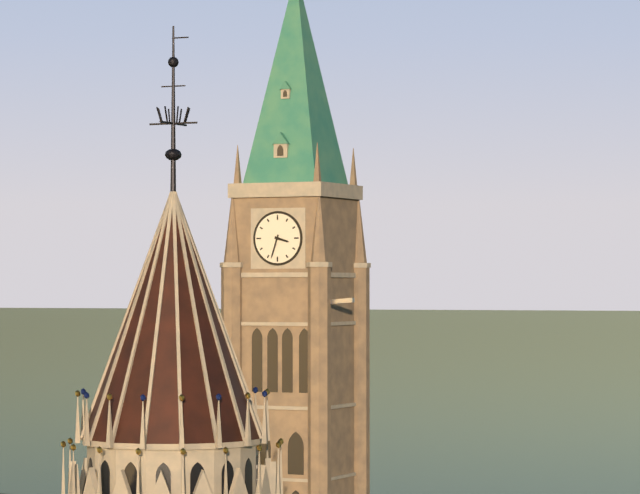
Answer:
3,33
